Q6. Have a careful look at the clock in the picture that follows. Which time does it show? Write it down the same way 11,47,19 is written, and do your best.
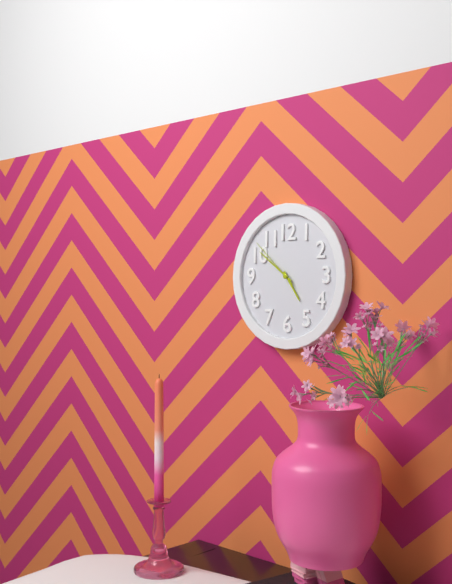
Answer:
4,51,52
